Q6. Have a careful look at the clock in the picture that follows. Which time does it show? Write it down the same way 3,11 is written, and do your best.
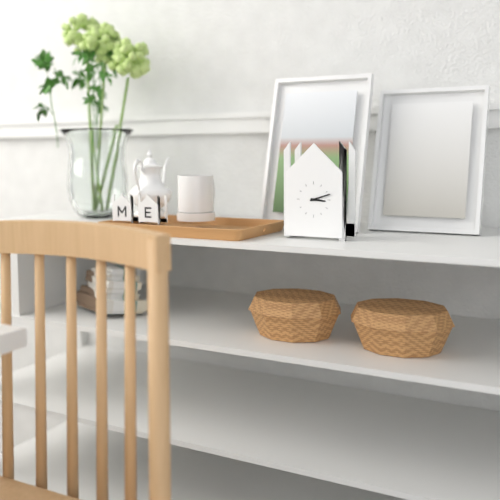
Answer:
3,12
